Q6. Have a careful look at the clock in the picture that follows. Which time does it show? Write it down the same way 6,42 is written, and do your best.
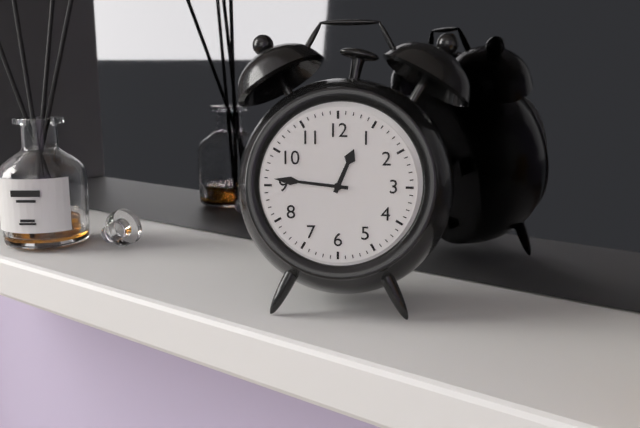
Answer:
12,46
